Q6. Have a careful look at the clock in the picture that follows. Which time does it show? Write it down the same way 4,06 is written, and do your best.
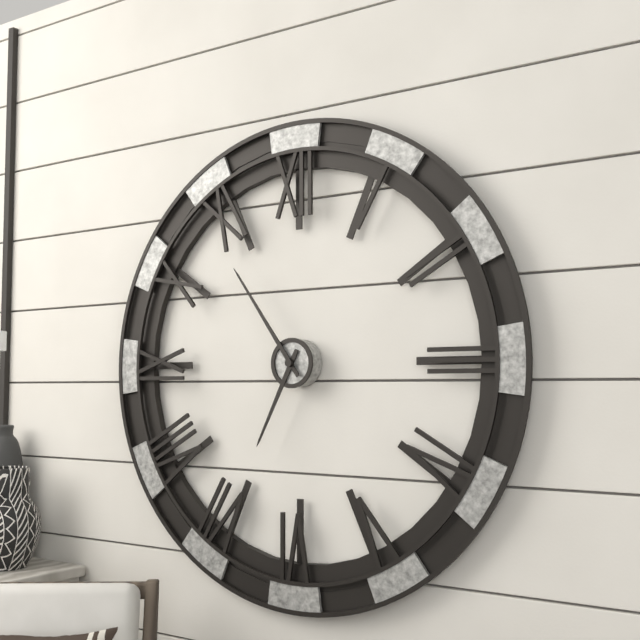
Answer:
6,54
